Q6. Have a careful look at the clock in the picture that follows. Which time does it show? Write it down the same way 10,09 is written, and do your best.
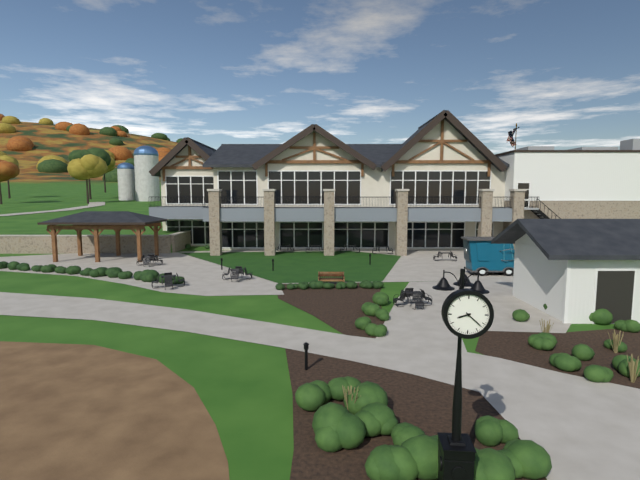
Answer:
8,22
